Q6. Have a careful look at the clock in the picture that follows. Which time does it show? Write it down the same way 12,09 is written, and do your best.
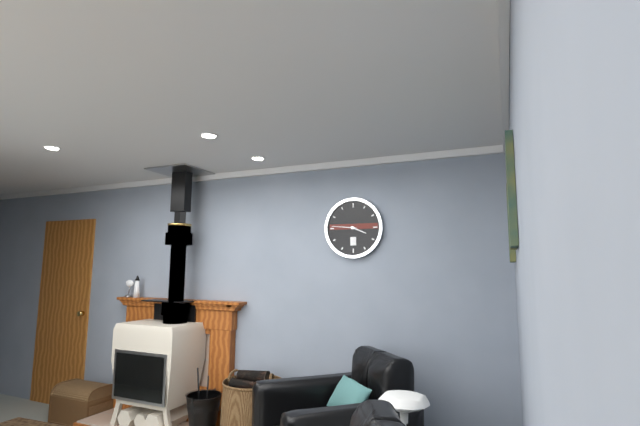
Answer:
3,46
